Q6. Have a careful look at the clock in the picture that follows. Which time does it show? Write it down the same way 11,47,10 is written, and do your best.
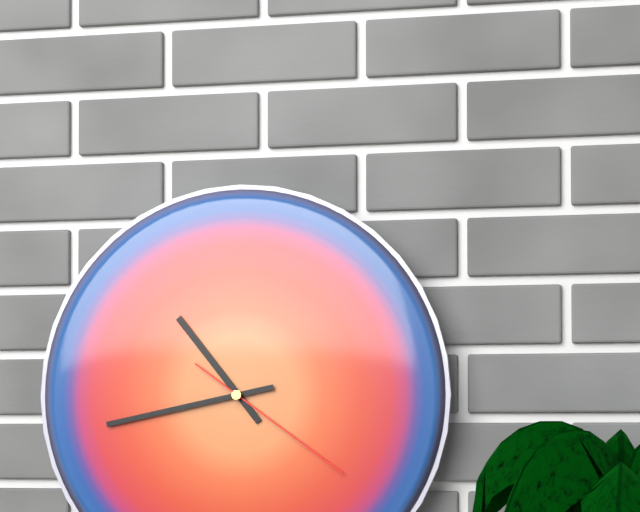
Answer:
10,43,21
